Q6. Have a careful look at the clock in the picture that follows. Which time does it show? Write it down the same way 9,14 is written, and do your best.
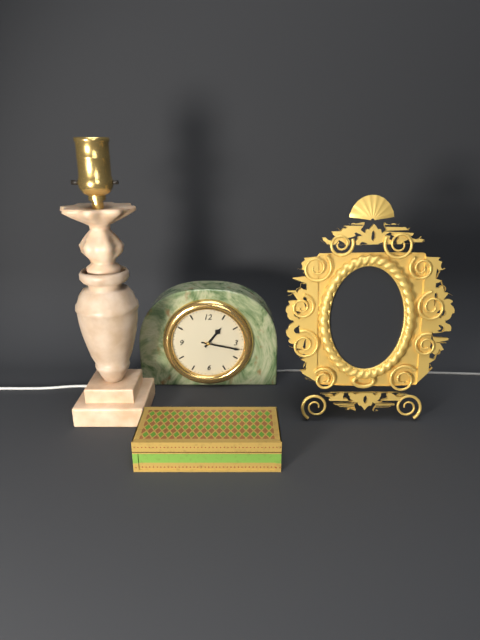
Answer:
1,17
